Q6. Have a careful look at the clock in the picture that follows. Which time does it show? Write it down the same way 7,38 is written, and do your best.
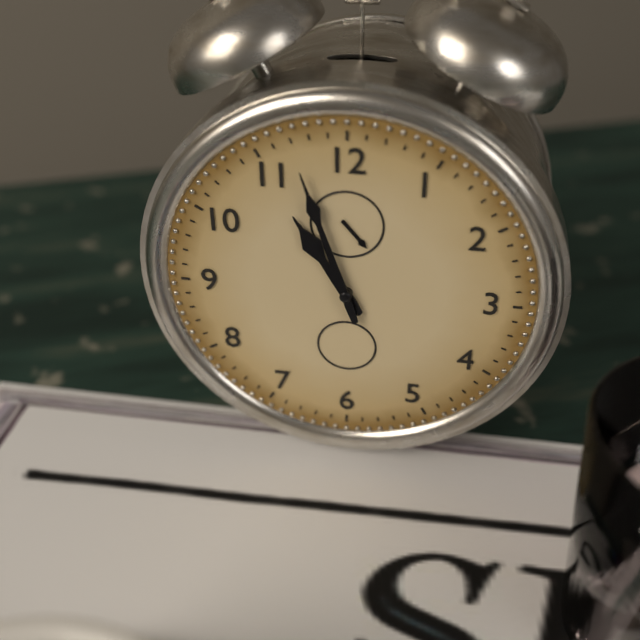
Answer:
10,57
